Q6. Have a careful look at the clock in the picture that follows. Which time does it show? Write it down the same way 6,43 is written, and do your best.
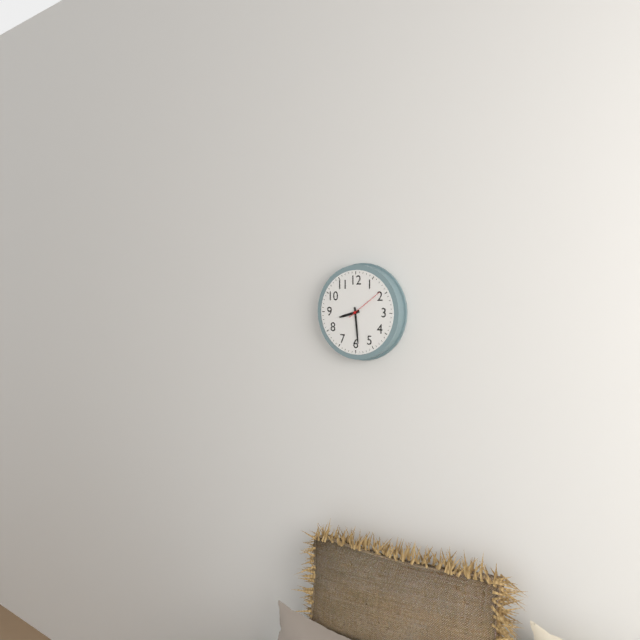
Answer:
8,29
